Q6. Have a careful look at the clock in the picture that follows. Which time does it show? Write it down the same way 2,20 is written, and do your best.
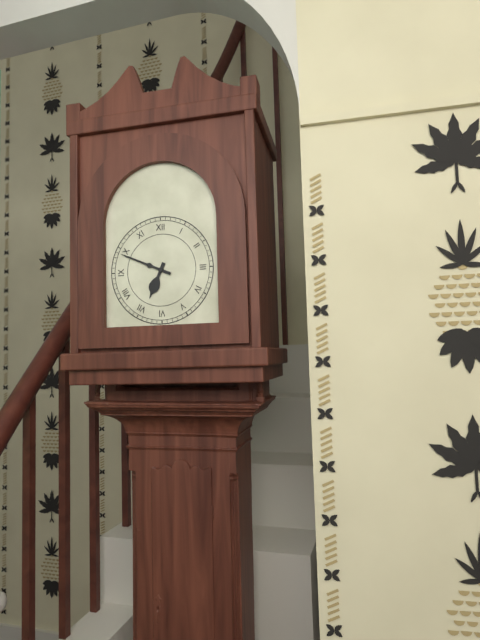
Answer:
6,49
